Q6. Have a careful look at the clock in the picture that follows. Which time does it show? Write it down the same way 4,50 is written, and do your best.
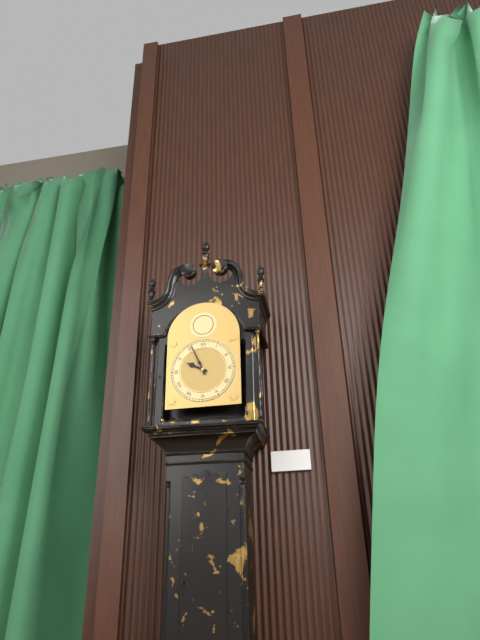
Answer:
9,56
